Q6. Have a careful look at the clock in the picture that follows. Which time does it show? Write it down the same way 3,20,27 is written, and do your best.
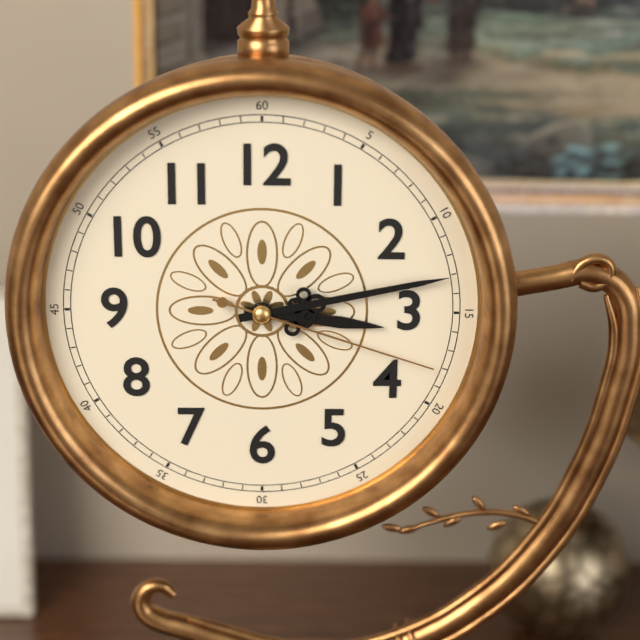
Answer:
3,13,18
